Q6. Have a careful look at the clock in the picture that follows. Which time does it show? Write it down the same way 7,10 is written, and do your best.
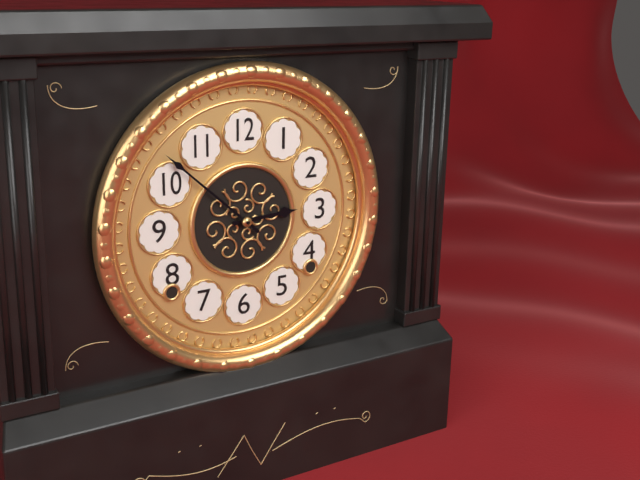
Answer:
2,52
